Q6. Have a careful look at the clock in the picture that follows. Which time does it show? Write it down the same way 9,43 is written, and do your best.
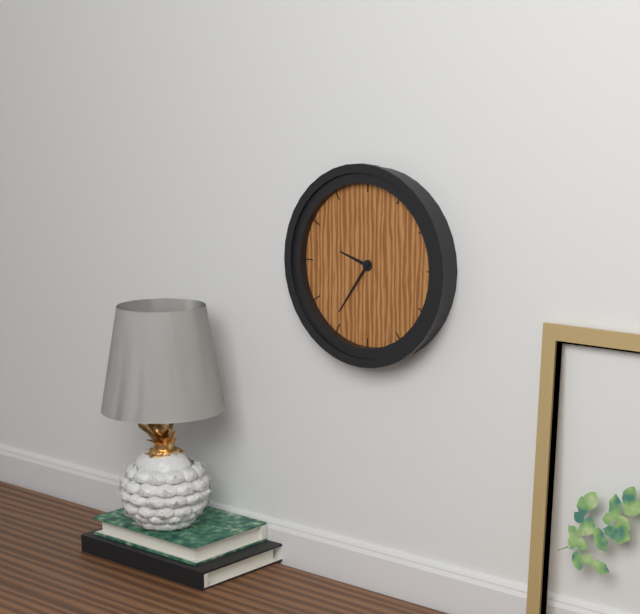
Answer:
9,36
